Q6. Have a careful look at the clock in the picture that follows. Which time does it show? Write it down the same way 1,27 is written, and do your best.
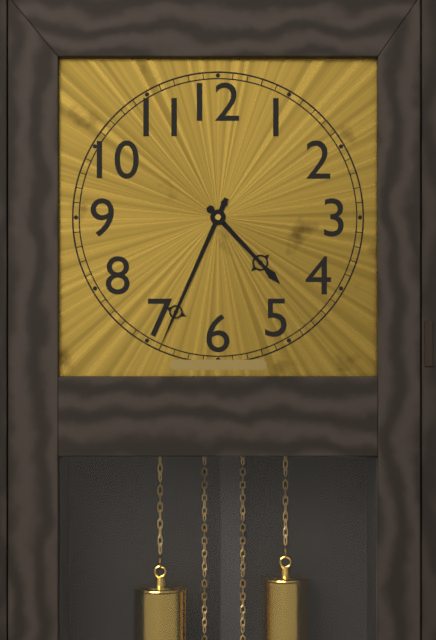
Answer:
4,34
